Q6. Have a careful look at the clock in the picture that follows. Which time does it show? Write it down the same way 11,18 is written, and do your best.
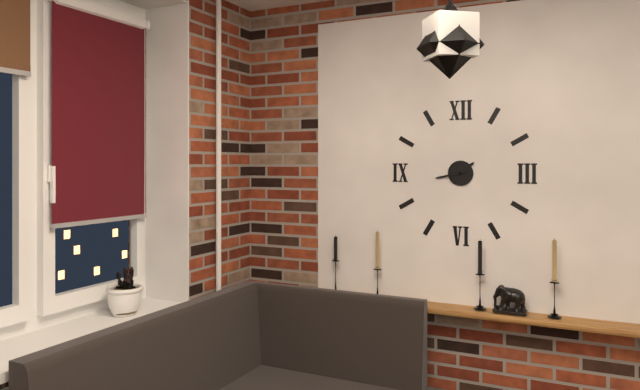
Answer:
1,43
